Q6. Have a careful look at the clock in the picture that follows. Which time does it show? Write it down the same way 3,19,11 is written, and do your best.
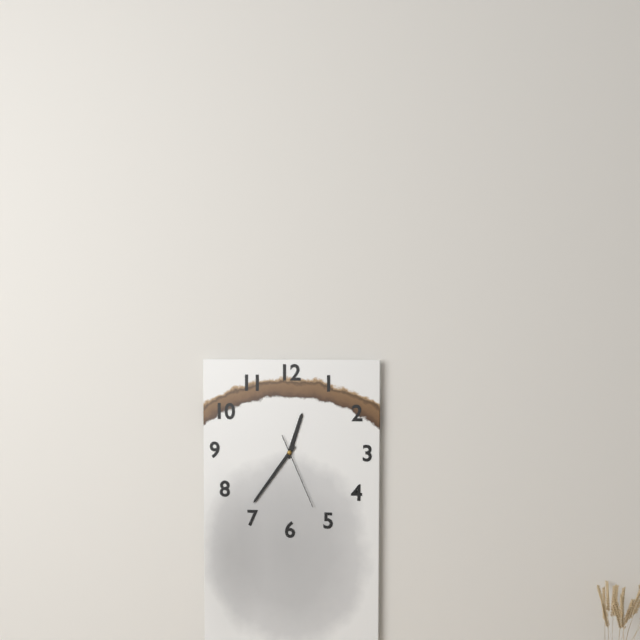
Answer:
12,36,26
